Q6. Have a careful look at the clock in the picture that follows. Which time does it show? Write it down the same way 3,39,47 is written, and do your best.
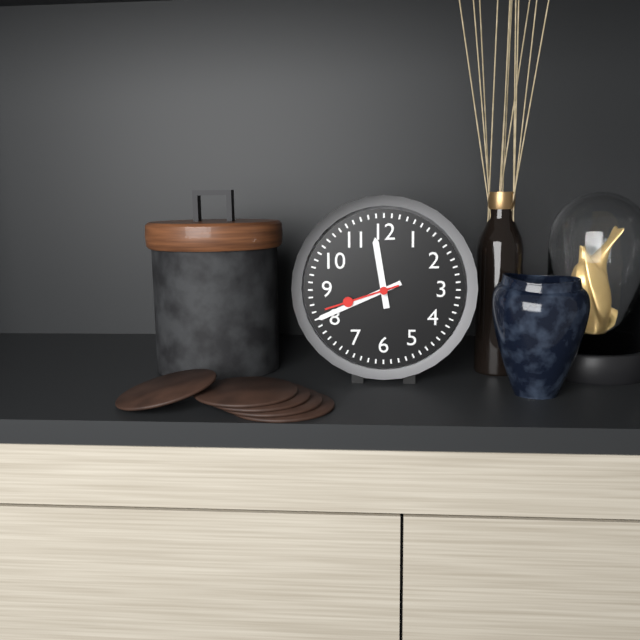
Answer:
11,41,42
